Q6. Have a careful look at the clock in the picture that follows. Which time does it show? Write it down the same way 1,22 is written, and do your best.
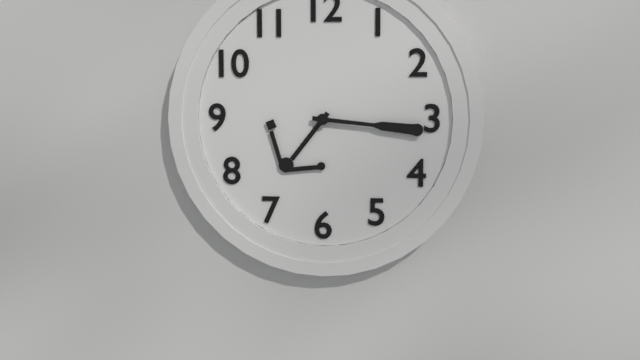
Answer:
7,16
